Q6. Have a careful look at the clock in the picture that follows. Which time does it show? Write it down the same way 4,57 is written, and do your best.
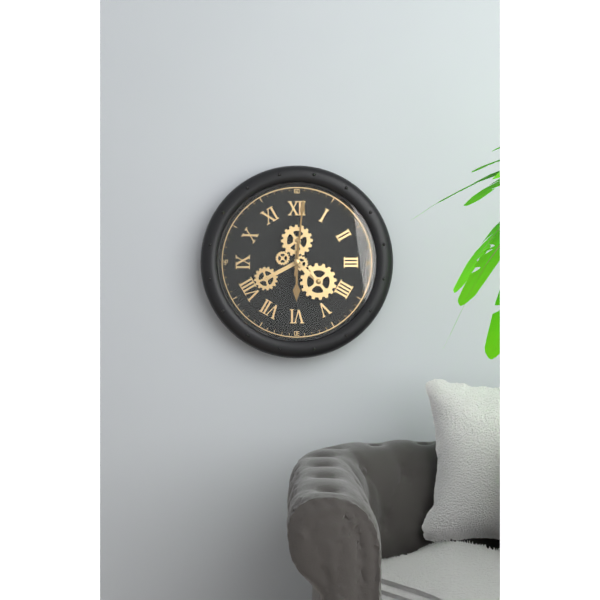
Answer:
6,01
